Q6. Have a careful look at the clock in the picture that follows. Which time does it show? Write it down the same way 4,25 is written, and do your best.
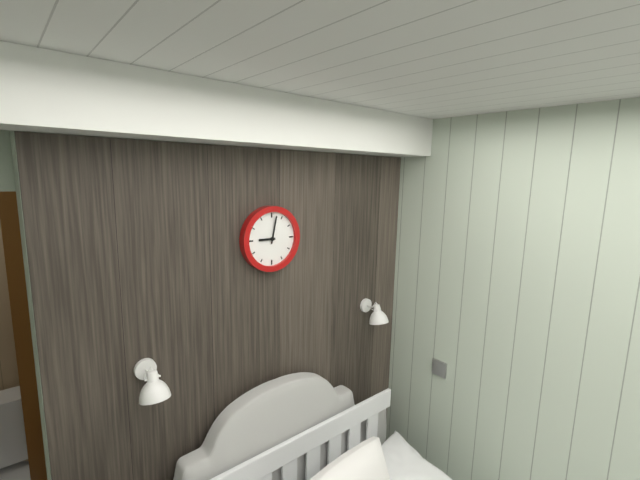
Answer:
9,02
